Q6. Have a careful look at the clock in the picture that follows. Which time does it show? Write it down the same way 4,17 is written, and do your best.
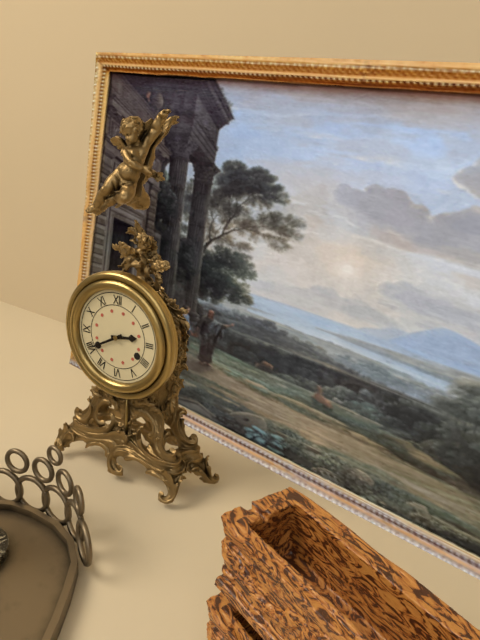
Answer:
2,40
